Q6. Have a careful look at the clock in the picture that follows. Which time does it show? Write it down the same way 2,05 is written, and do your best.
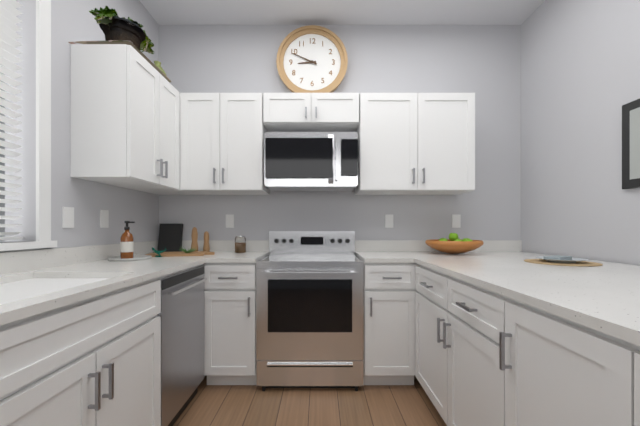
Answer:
8,49
